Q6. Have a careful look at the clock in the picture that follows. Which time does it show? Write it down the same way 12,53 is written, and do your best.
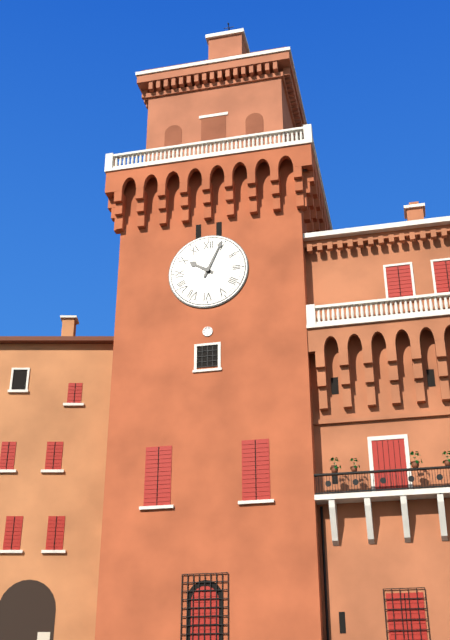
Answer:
10,04
